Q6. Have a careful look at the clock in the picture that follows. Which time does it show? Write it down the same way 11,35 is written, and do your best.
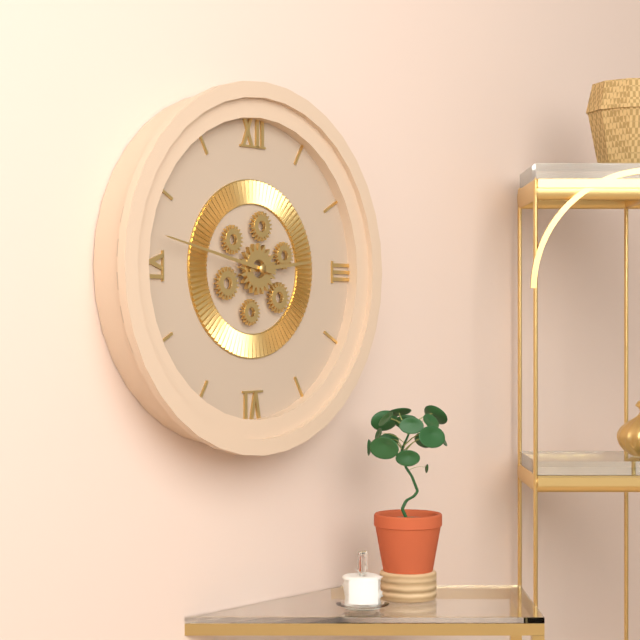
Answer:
2,47
